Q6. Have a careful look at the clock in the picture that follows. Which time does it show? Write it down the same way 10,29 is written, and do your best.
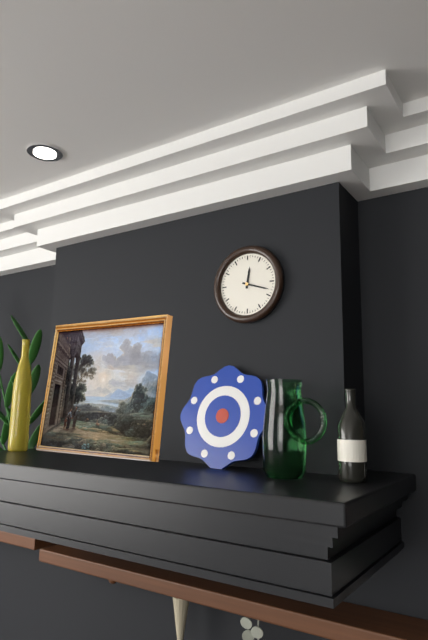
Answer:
12,18
